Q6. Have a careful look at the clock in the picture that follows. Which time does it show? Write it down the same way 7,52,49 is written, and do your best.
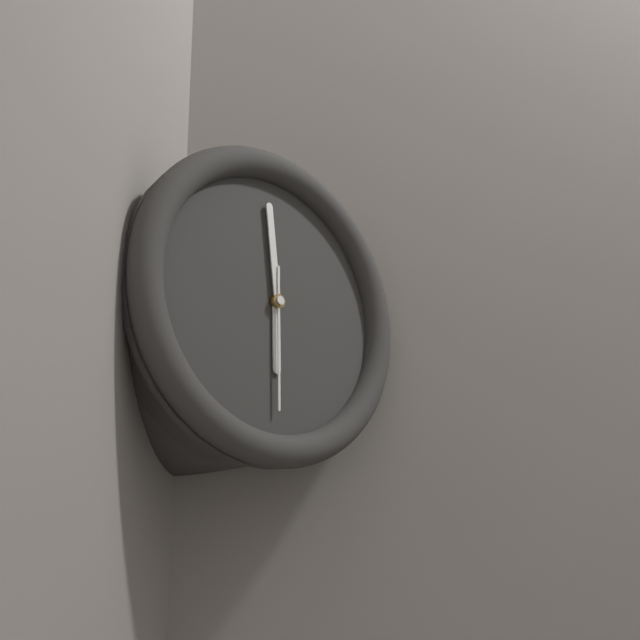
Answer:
5,59,30
